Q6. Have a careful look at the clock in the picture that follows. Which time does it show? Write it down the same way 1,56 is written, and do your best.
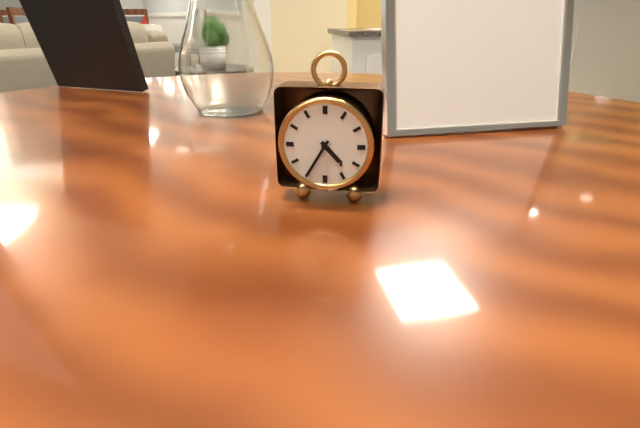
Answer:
4,35
